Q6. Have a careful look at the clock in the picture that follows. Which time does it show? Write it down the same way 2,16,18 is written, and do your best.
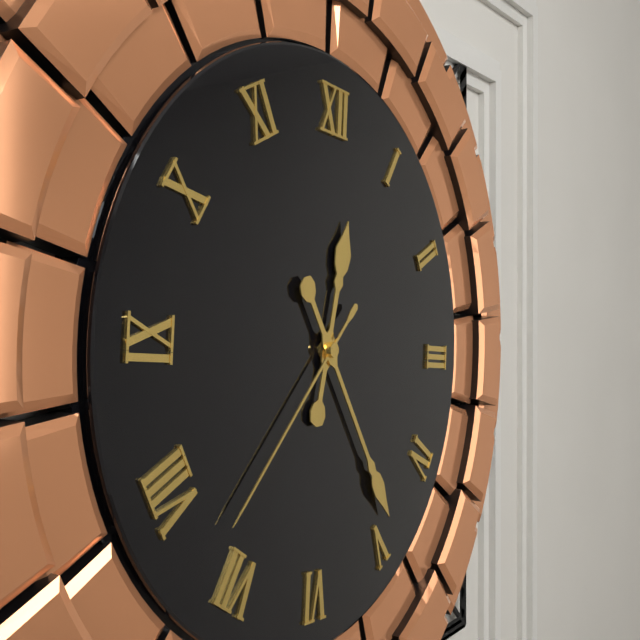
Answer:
12,24,37
